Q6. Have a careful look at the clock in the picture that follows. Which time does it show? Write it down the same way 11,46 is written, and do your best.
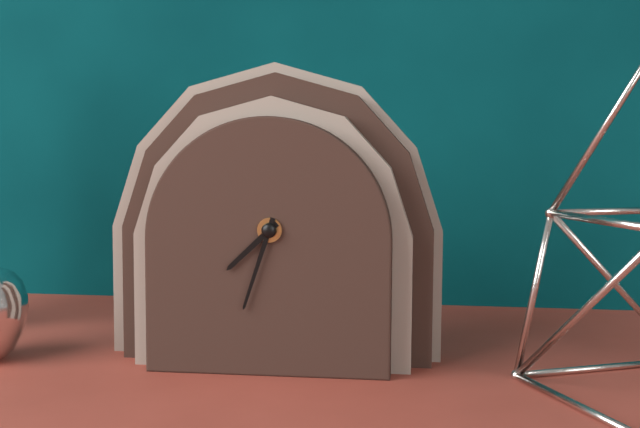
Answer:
7,33
